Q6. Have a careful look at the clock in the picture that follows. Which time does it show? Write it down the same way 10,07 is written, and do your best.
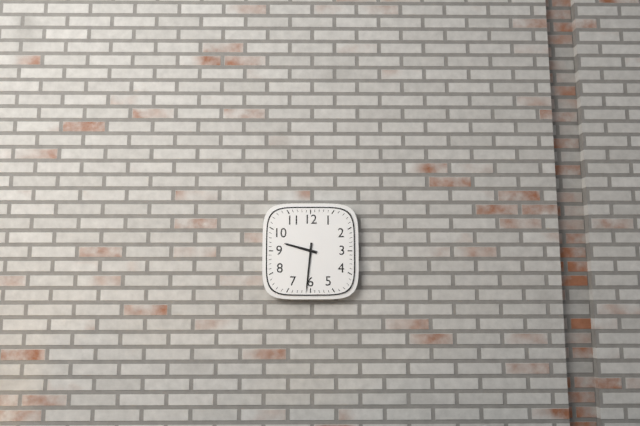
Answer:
9,31
